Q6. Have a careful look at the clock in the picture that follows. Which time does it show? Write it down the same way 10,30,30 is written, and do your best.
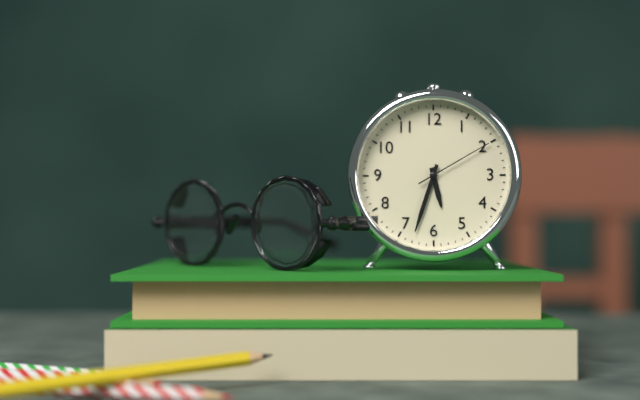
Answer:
5,33,10
